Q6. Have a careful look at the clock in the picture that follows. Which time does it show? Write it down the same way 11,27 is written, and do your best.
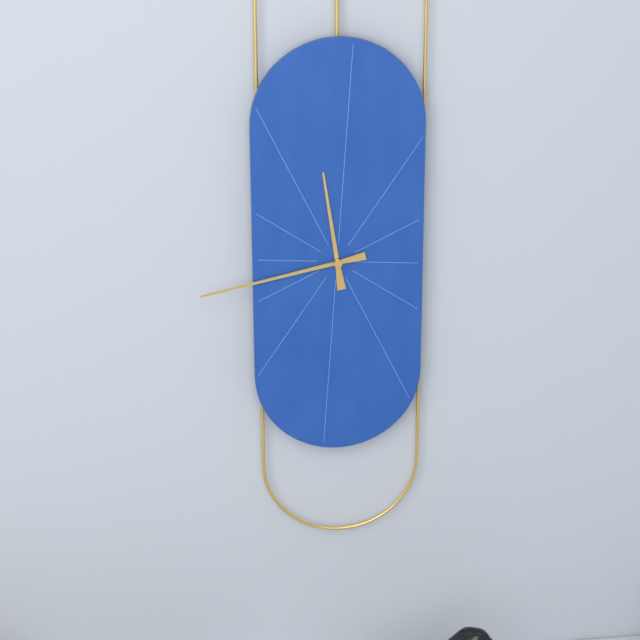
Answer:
11,43
